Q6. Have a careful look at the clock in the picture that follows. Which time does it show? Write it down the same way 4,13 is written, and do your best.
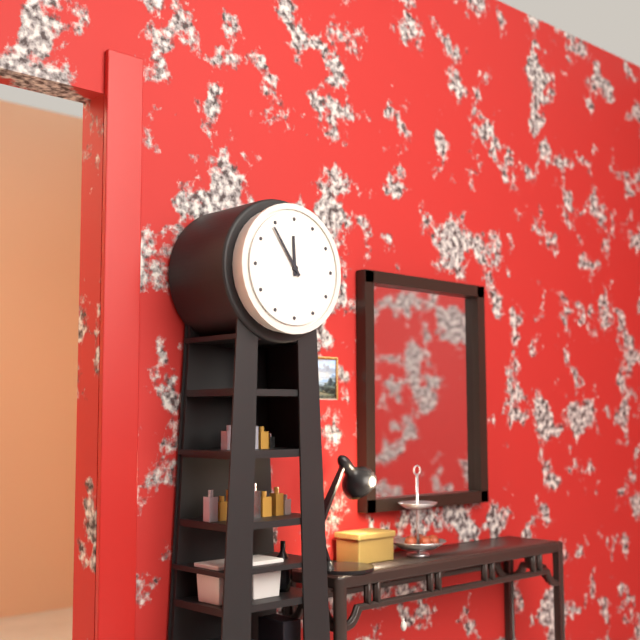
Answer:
11,54
